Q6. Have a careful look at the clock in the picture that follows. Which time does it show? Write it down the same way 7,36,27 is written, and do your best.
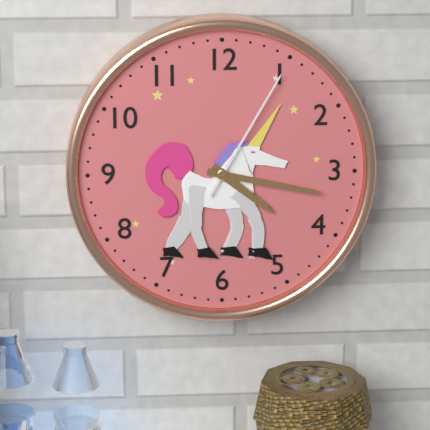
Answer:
4,17,05
